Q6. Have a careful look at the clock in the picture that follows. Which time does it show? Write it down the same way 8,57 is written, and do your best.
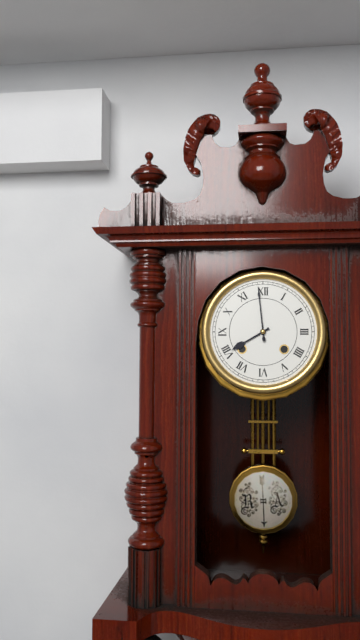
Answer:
7,59
